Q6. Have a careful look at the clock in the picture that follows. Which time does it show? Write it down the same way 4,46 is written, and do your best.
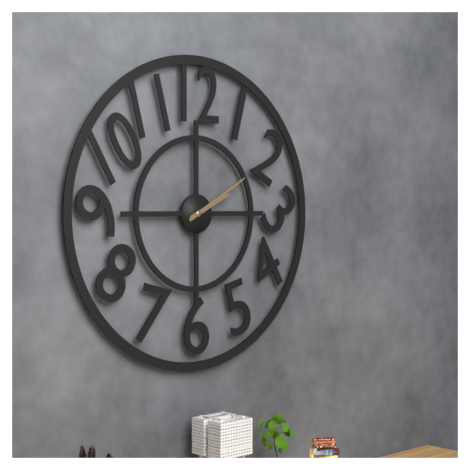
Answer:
2,10
